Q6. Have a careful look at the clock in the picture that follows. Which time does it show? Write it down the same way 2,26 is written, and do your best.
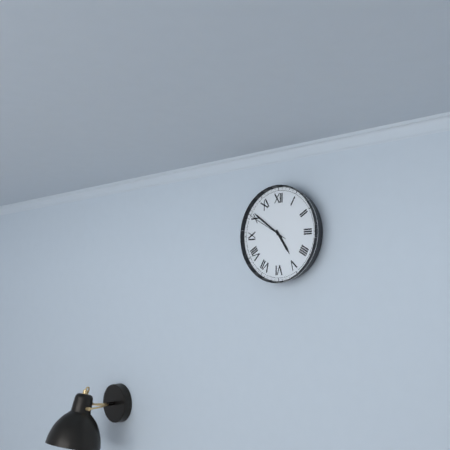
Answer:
4,51
